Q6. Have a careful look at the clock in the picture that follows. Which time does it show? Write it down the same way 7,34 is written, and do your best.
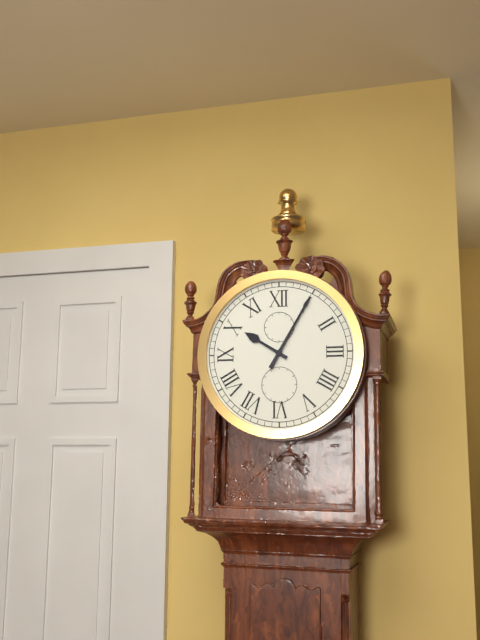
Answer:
10,05
